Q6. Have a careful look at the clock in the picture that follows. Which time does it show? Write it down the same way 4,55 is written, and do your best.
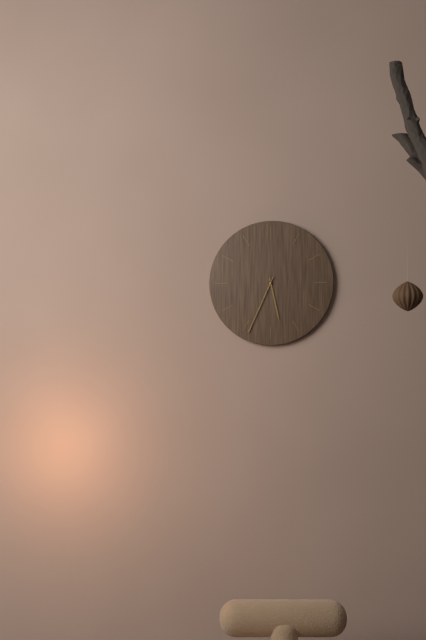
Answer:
5,34
